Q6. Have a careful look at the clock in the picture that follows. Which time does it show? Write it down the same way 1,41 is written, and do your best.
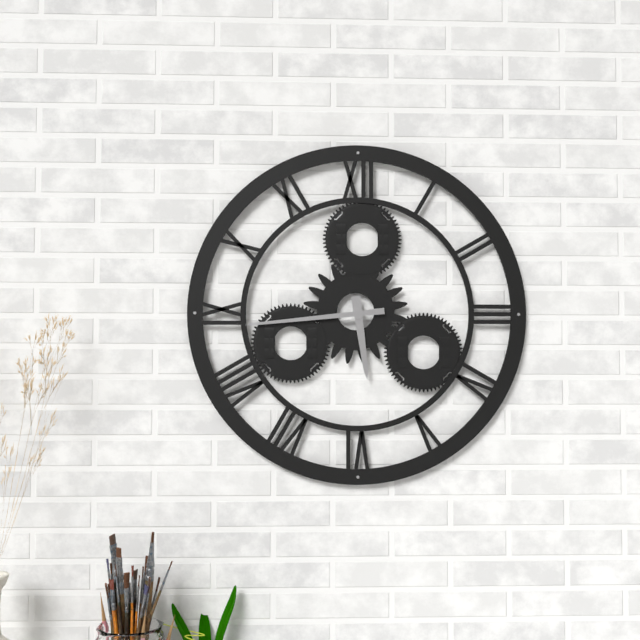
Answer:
5,44
